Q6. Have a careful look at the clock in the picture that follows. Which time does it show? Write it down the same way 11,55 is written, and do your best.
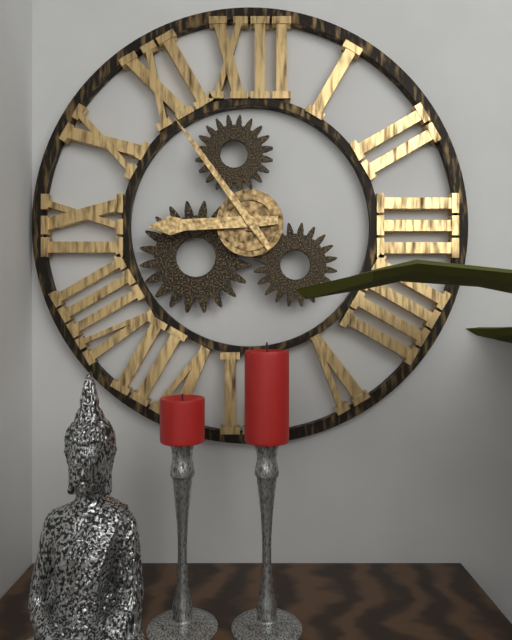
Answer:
8,54
